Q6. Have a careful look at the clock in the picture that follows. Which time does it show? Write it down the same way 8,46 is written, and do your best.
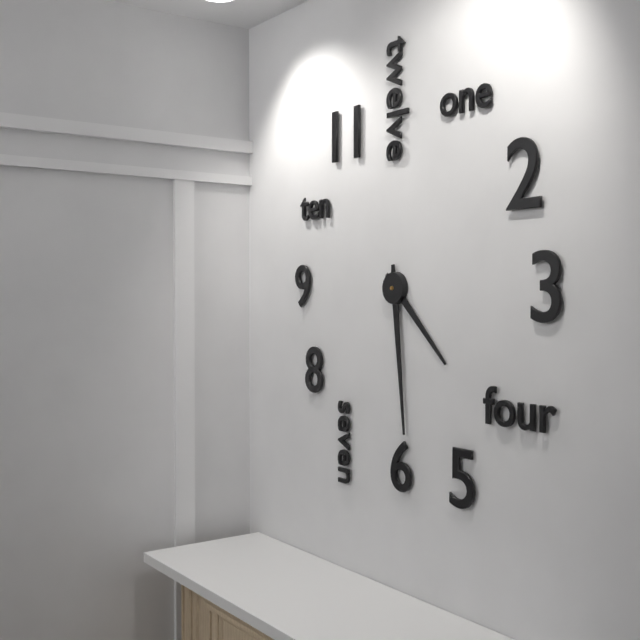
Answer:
4,29
